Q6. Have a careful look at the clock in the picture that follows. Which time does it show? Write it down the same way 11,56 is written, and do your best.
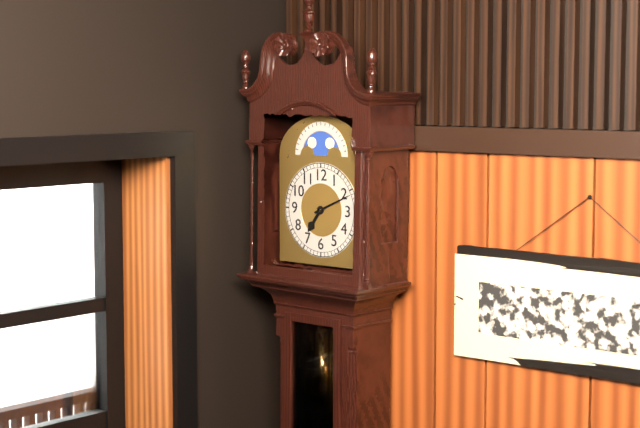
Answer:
7,11
